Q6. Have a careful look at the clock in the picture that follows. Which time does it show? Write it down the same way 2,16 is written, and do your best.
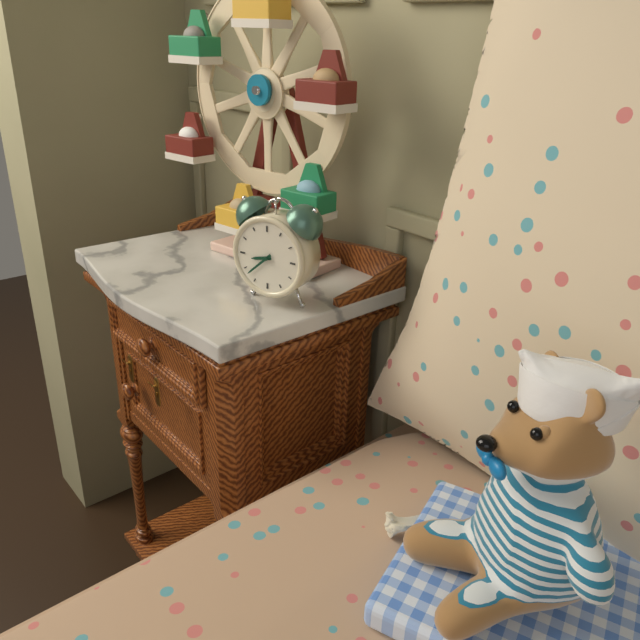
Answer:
8,38
